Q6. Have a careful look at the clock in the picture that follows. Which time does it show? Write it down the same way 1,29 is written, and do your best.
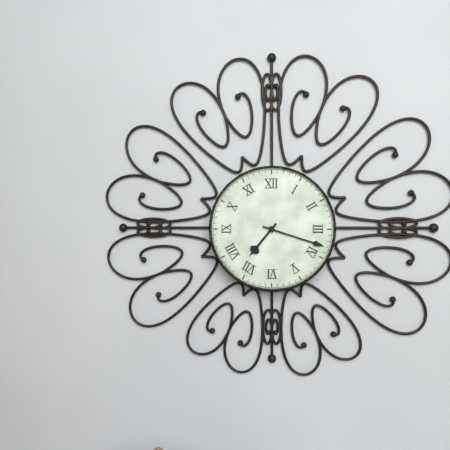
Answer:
7,18
